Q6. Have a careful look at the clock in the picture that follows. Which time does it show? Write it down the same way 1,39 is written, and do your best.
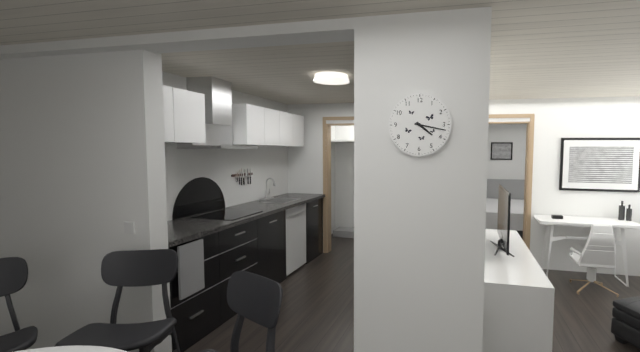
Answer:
4,17
